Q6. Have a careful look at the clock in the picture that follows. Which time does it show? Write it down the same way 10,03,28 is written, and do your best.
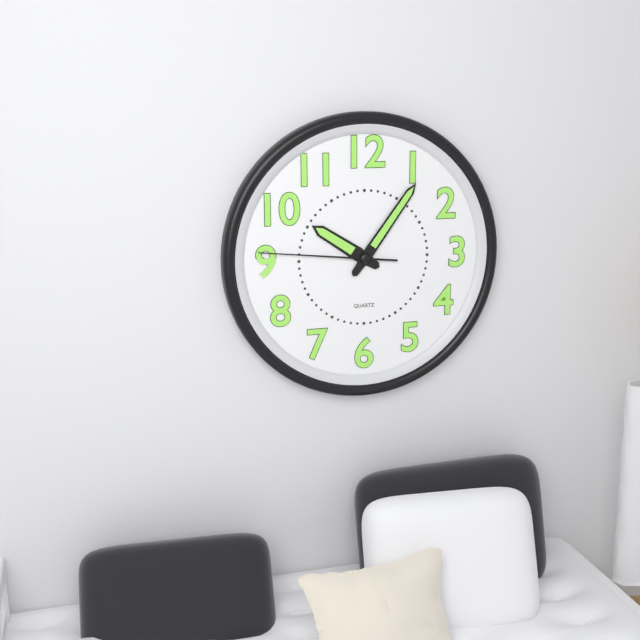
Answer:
10,06,46
